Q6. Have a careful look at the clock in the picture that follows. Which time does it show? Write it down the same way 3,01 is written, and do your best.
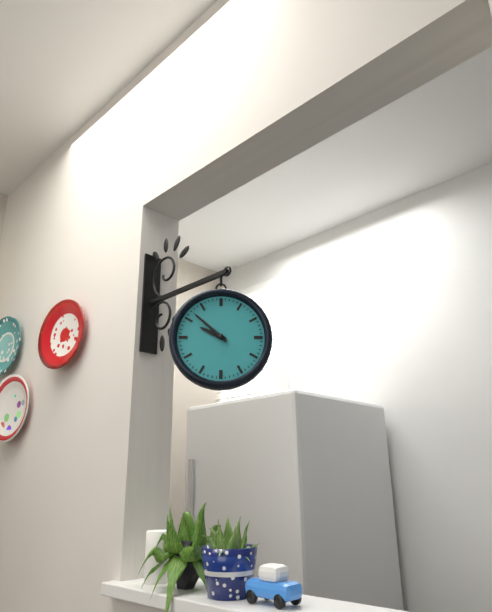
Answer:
9,52
